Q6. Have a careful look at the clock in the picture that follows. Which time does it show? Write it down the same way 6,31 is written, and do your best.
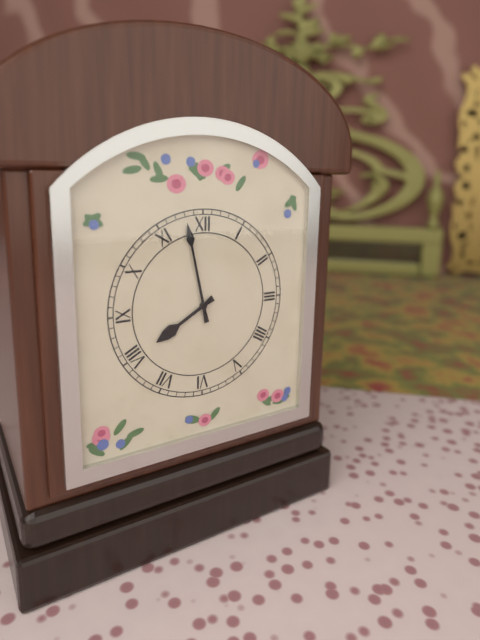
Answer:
7,58
